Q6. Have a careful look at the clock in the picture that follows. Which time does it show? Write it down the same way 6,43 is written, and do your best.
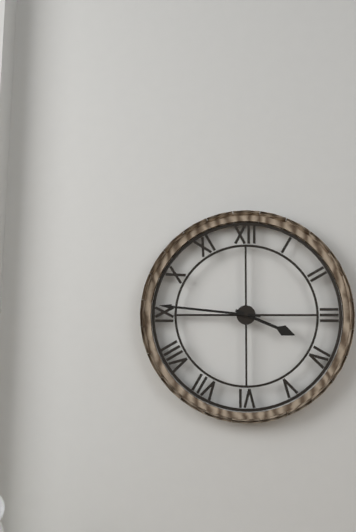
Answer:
3,46
